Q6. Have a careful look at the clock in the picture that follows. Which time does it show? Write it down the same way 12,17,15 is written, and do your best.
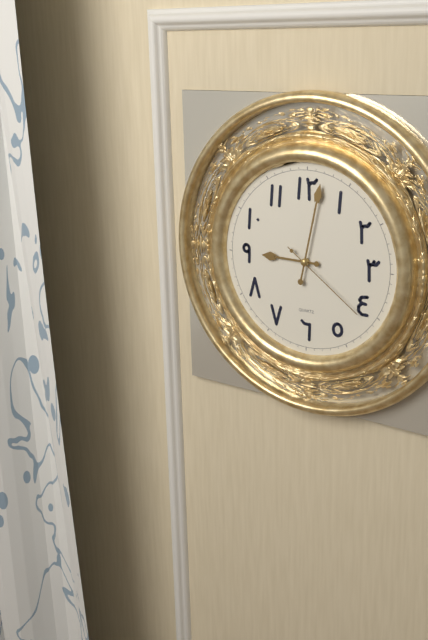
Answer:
9,02,21
